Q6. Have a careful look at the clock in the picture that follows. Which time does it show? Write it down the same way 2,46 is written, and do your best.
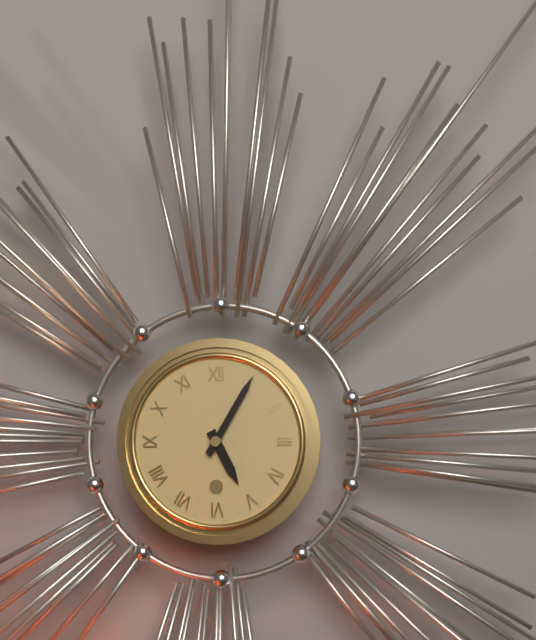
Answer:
5,05
